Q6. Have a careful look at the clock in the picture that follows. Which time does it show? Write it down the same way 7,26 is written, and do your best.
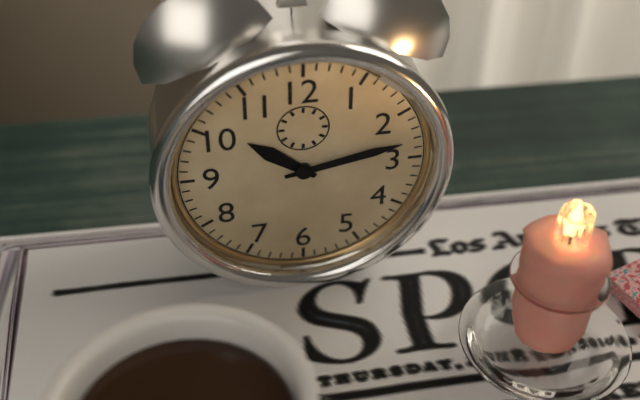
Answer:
10,13
